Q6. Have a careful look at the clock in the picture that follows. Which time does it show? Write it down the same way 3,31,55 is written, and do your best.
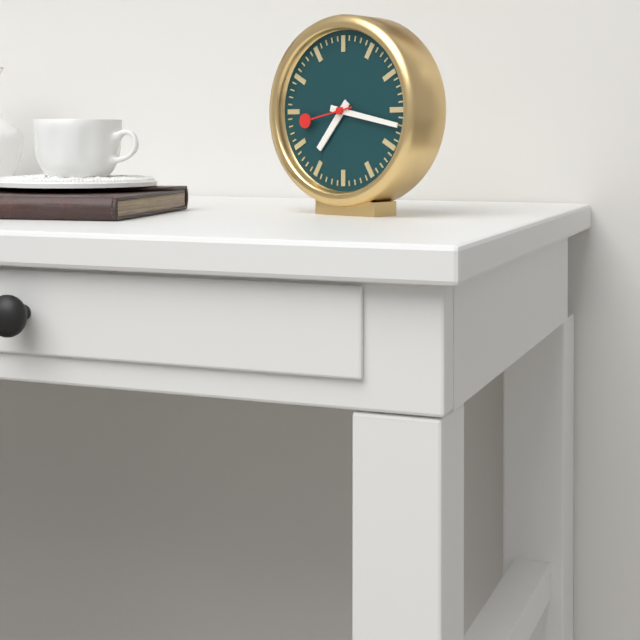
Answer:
7,17,43
